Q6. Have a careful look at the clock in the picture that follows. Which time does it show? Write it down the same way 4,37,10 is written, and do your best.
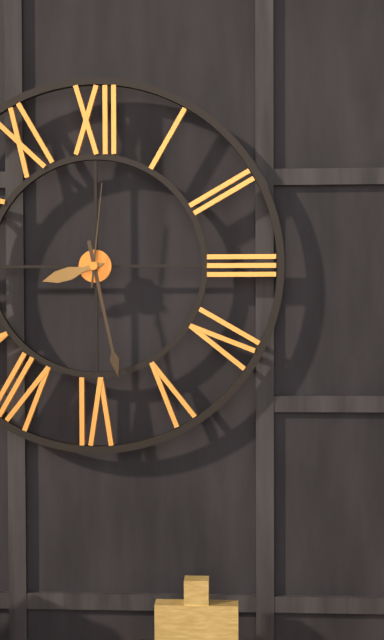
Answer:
8,28,01
